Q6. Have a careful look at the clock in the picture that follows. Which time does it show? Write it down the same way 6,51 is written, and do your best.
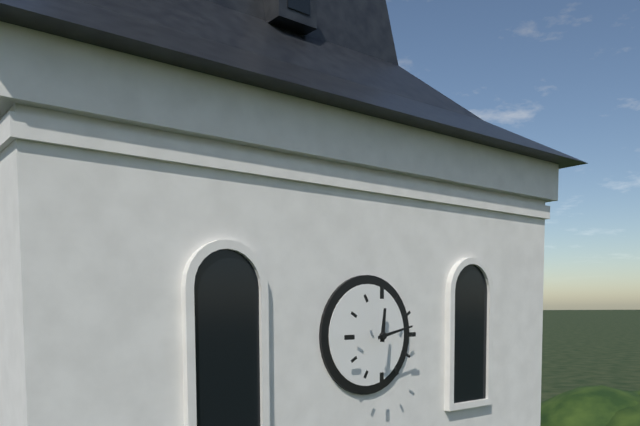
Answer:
12,13
